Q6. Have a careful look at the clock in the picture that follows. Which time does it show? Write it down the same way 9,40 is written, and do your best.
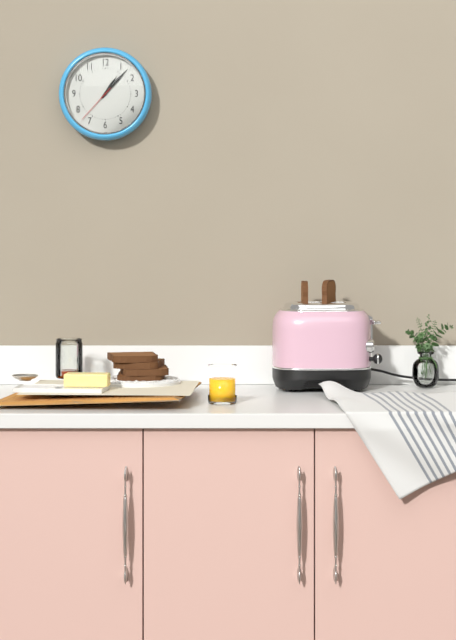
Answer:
1,07
